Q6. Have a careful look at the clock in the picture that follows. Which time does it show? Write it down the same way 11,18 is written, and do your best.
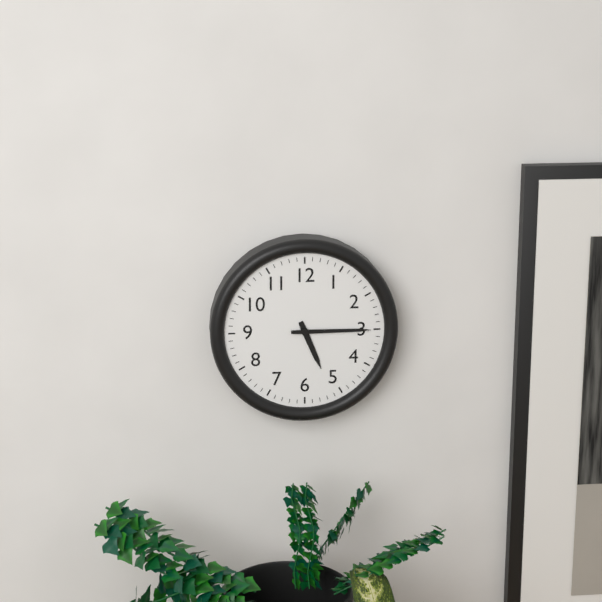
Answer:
5,15
